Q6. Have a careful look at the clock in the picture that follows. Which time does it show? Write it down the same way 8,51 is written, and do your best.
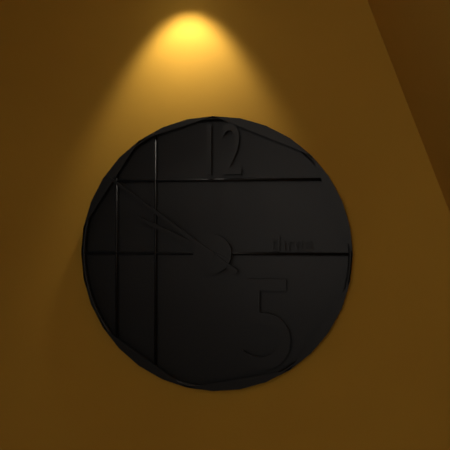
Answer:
9,51
